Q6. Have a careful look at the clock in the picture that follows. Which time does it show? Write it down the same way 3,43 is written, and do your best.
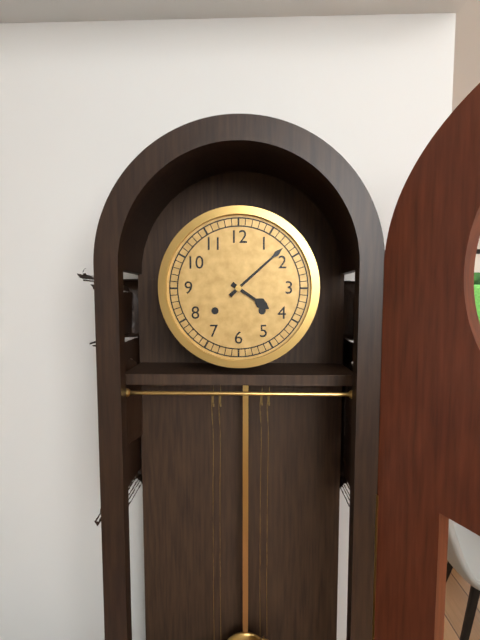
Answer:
4,08
